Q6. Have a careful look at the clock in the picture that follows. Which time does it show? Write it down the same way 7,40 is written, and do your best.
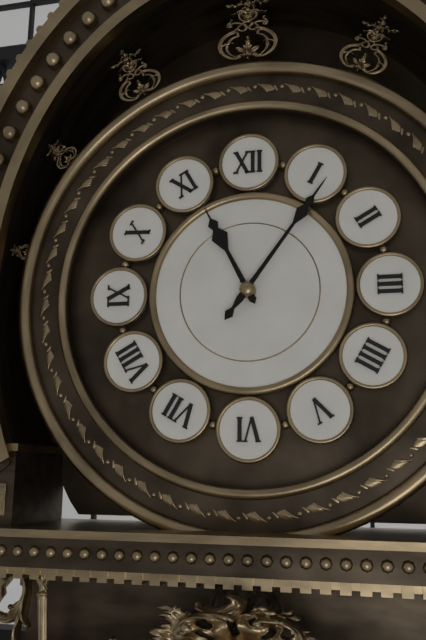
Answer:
11,06
